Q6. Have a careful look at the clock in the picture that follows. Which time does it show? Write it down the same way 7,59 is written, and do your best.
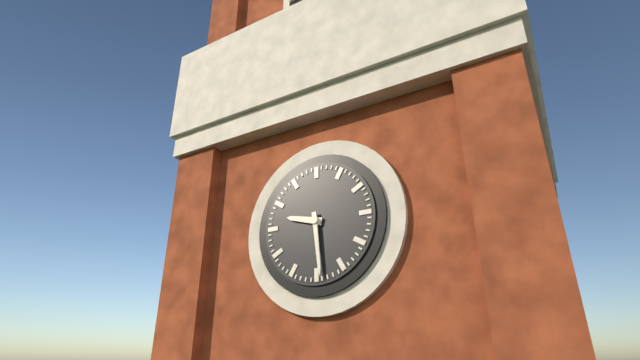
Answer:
9,29
